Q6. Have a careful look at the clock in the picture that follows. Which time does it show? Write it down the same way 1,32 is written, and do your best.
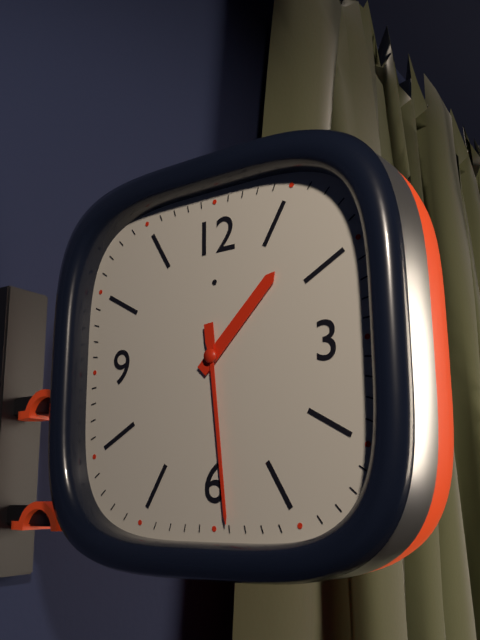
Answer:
1,29
